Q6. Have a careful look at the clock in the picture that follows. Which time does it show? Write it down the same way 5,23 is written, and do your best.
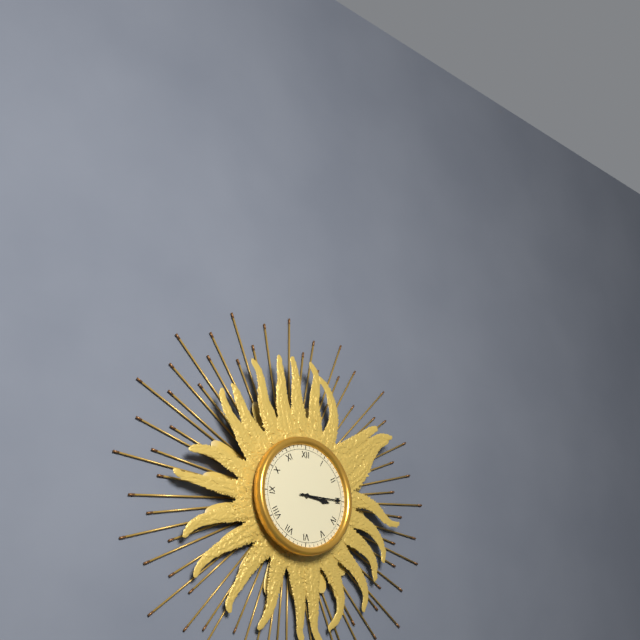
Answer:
3,15
